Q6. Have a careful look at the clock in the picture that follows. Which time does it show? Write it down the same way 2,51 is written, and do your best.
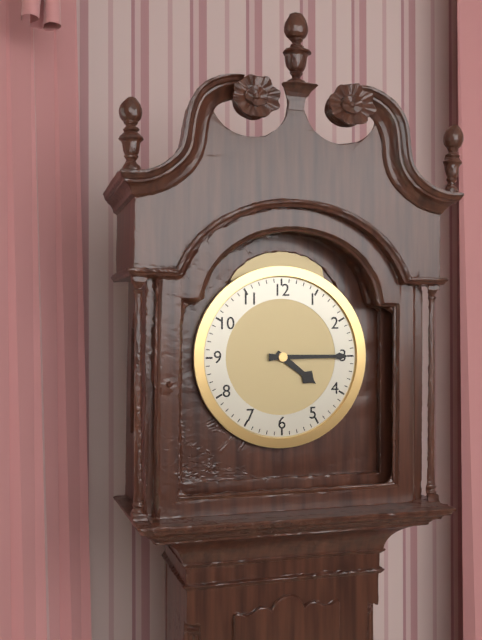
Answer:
4,15
